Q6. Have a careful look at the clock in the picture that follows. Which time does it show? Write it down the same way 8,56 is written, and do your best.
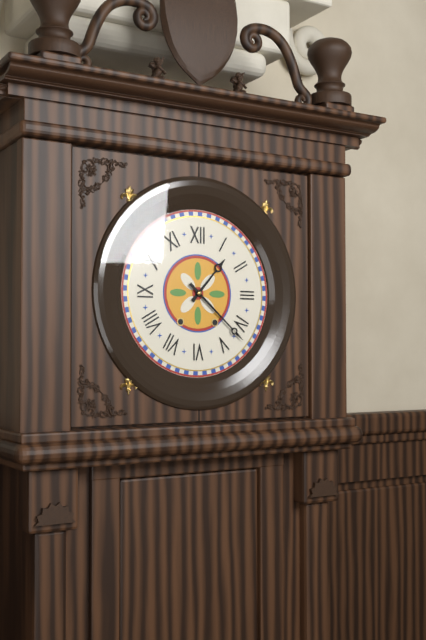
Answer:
1,22
